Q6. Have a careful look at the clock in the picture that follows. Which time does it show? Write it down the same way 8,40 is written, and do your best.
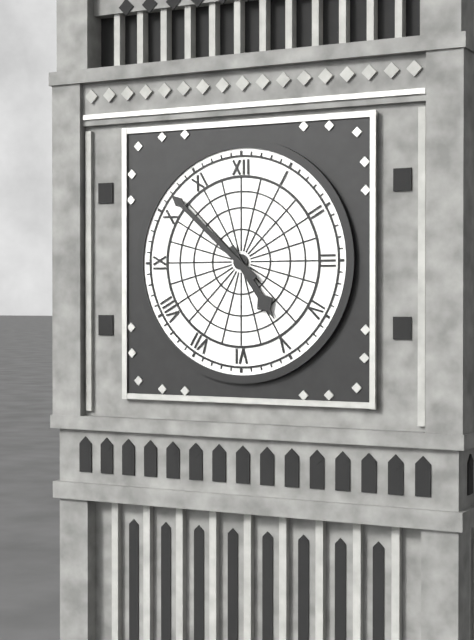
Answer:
4,52
